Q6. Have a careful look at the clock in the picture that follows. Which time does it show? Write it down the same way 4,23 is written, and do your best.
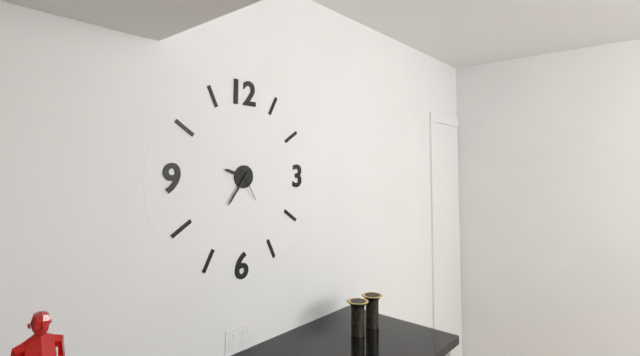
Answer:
9,36
